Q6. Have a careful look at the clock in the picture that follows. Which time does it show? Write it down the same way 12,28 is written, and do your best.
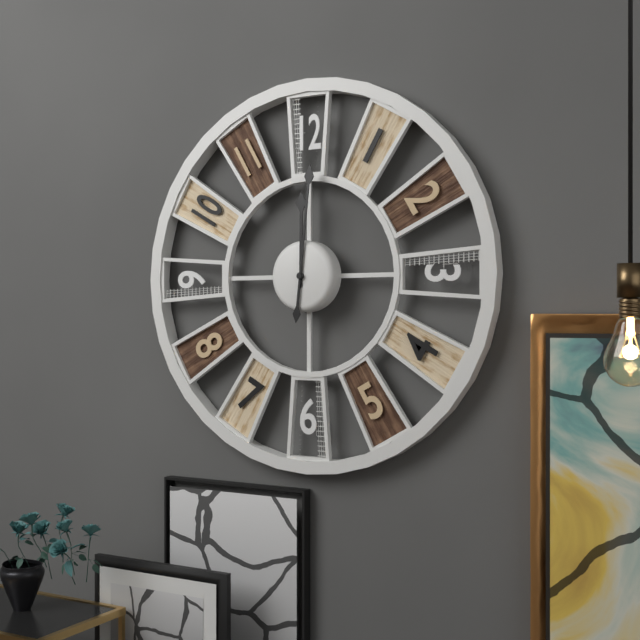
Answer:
12,01
